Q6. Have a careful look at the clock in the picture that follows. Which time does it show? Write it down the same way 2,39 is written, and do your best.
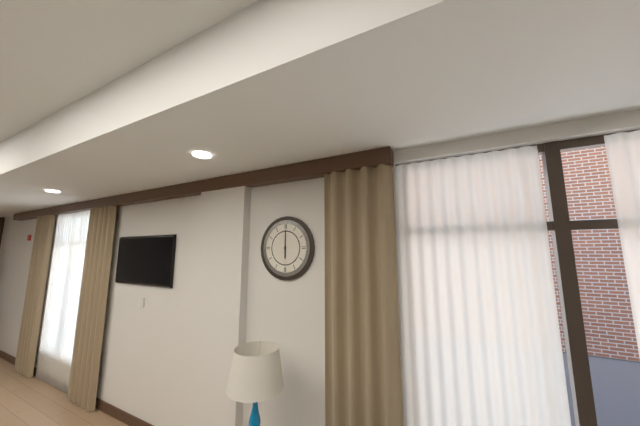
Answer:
6,00
